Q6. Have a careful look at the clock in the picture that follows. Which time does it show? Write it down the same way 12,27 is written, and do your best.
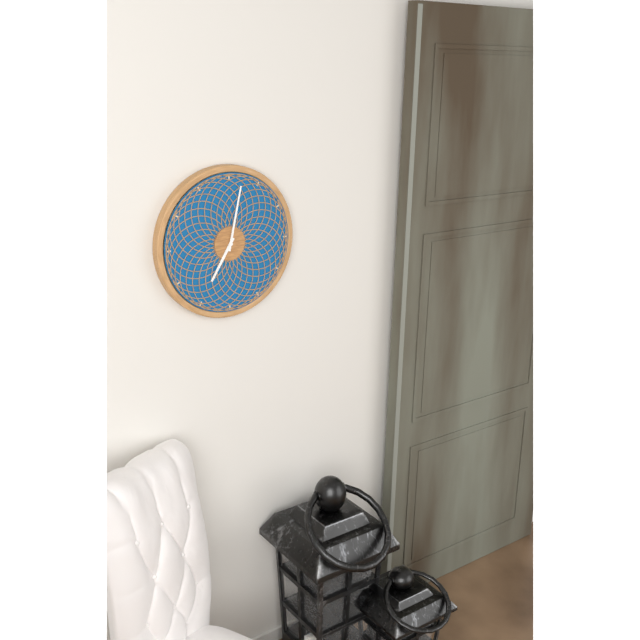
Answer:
7,02
